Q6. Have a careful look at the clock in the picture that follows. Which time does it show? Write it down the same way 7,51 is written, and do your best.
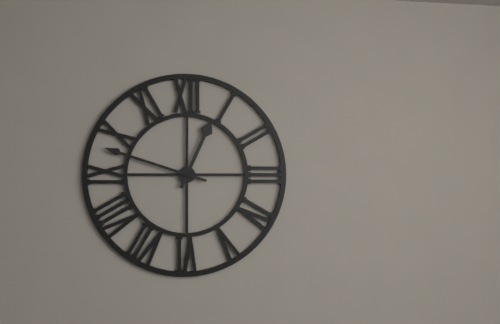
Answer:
12,48
